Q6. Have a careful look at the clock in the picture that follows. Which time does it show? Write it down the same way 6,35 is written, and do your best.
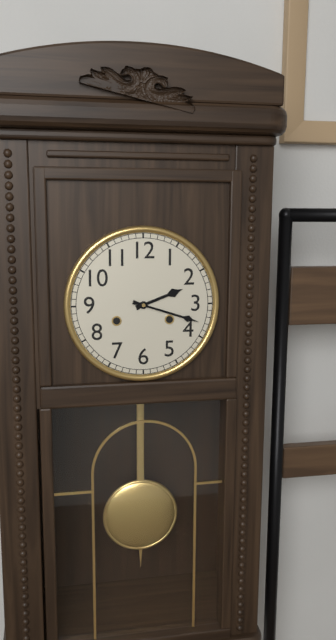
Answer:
2,18
